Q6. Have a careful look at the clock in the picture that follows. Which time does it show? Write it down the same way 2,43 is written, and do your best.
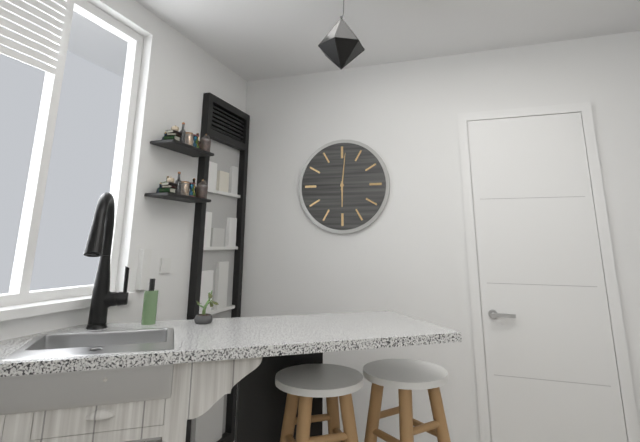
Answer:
6,01
